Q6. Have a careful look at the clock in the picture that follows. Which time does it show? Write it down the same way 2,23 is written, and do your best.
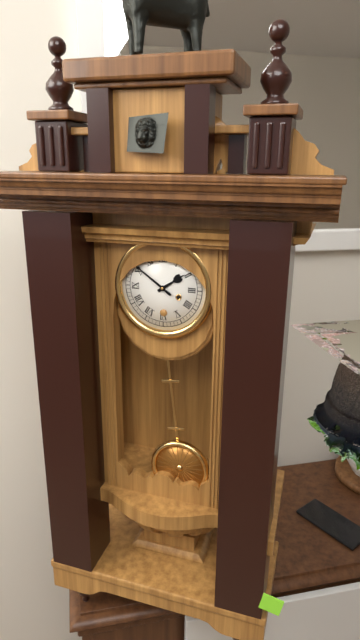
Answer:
1,51
